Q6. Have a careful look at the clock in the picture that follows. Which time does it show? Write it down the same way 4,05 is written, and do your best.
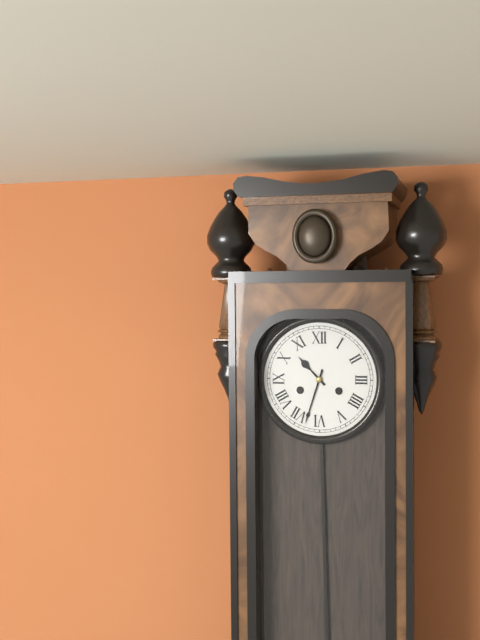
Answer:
10,33
